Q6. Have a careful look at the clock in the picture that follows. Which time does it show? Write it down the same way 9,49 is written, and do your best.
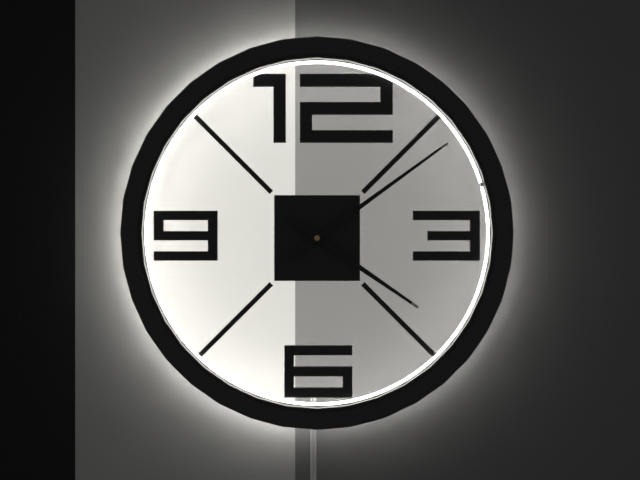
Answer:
4,09
